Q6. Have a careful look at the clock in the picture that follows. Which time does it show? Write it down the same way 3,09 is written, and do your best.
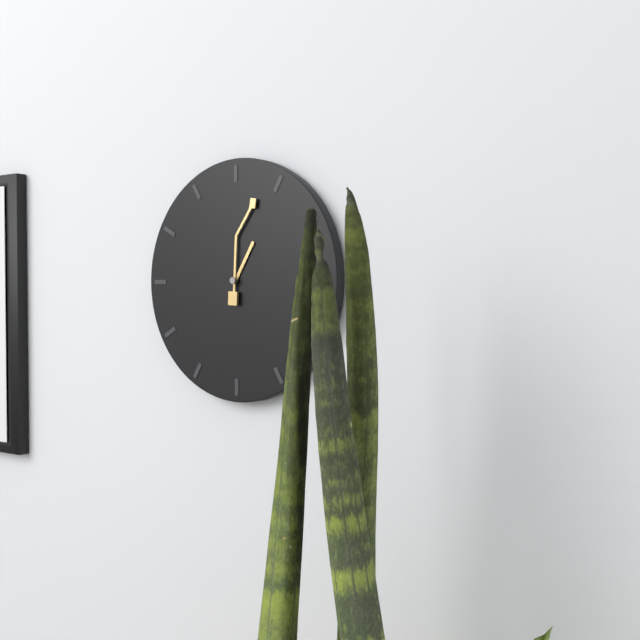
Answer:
1,03
